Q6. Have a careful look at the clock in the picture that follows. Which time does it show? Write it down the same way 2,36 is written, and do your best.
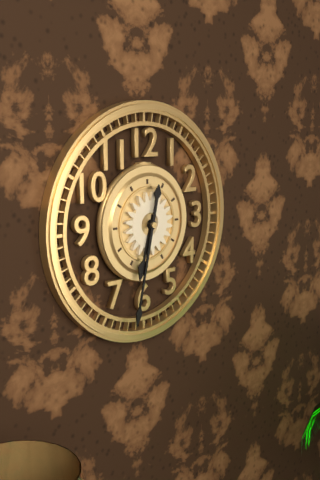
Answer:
6,32
